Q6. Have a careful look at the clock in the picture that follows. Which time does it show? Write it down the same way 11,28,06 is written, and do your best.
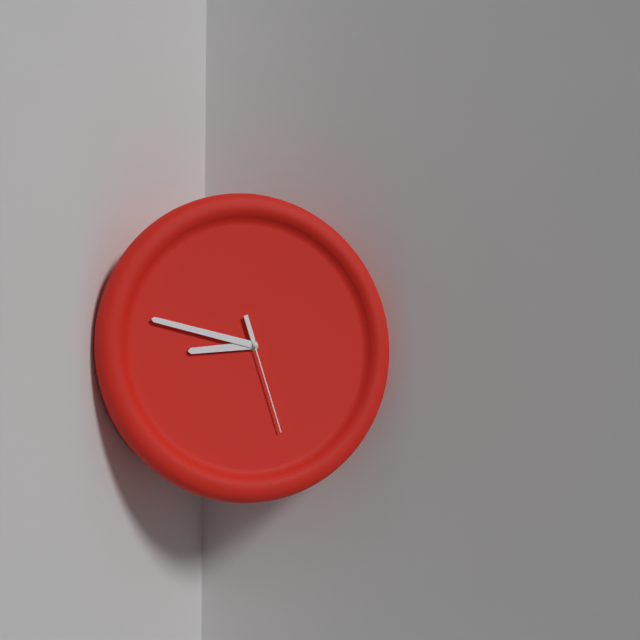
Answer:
8,47,27
